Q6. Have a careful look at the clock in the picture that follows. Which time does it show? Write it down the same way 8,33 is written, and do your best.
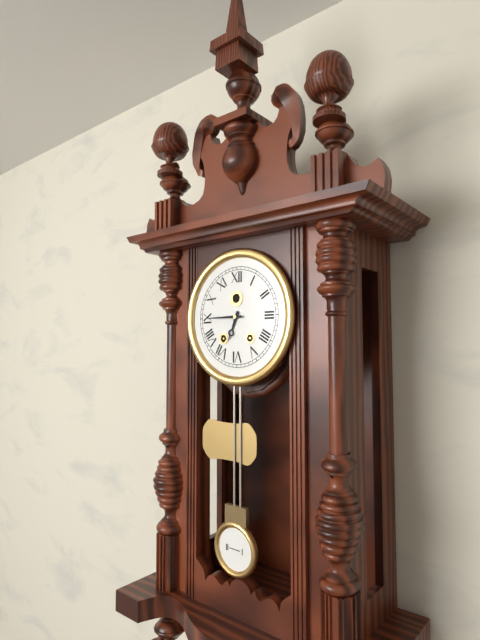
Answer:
6,45
